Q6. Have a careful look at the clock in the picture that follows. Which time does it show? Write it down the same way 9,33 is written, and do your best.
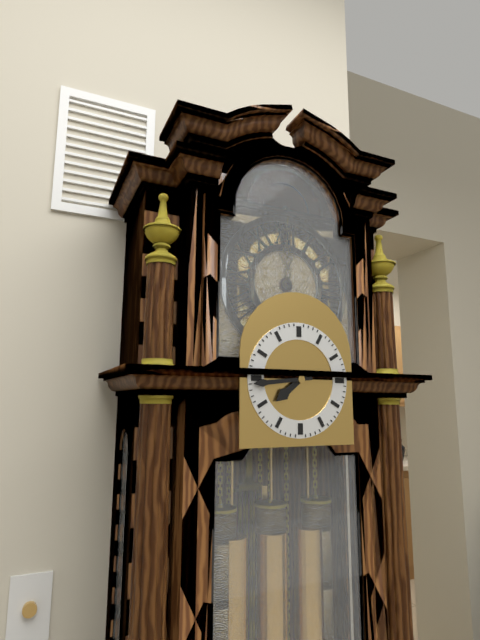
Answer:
7,44
